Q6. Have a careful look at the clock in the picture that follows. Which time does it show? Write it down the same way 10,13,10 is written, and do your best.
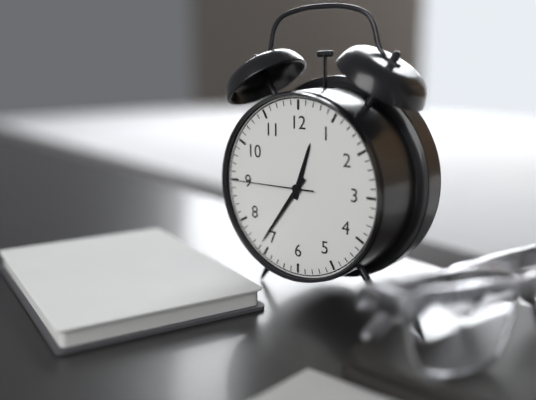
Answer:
12,36,45
